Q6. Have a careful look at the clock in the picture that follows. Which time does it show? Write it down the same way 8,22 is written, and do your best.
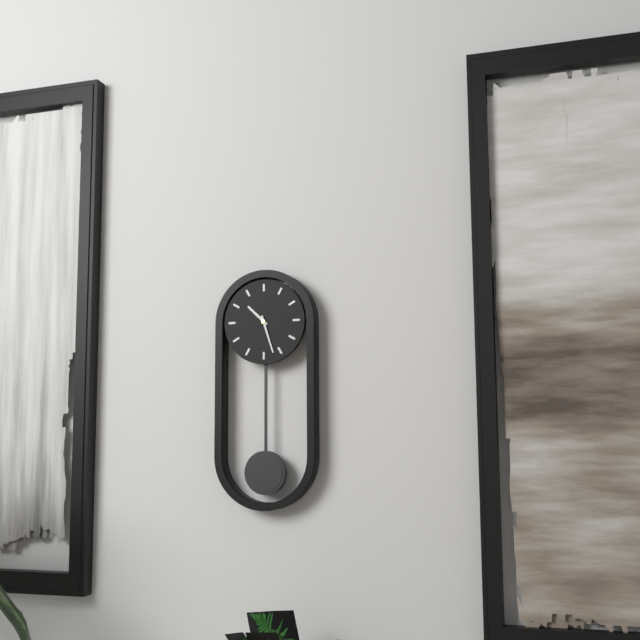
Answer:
10,27
